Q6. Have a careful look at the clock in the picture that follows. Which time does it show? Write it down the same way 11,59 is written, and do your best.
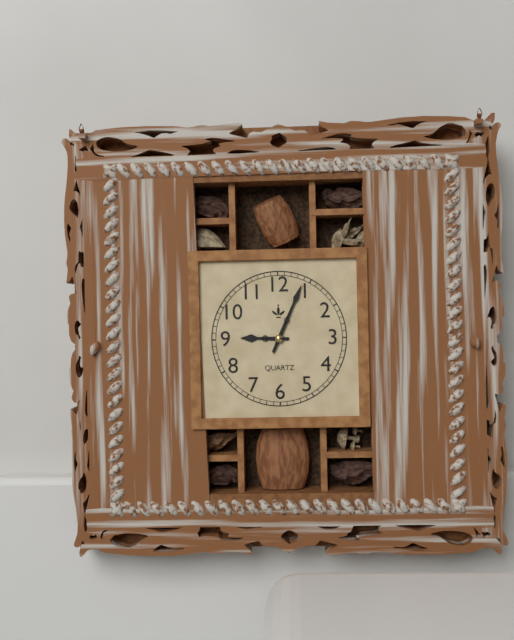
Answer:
9,04
